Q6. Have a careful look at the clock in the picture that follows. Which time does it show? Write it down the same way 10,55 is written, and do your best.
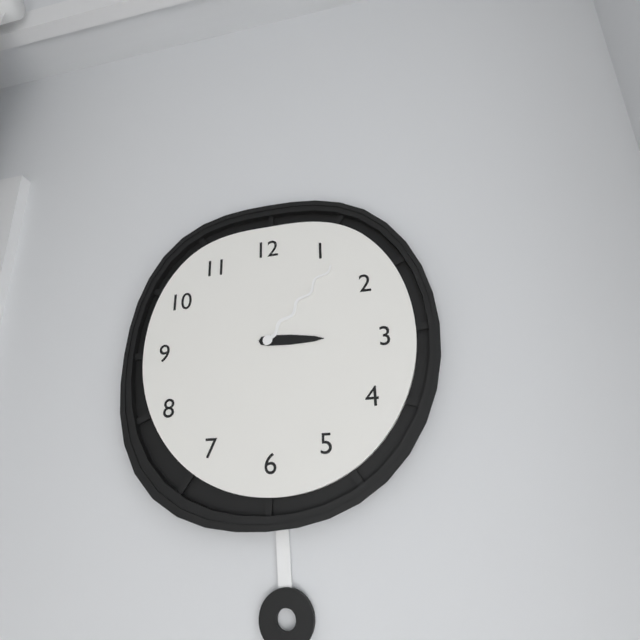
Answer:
3,07
